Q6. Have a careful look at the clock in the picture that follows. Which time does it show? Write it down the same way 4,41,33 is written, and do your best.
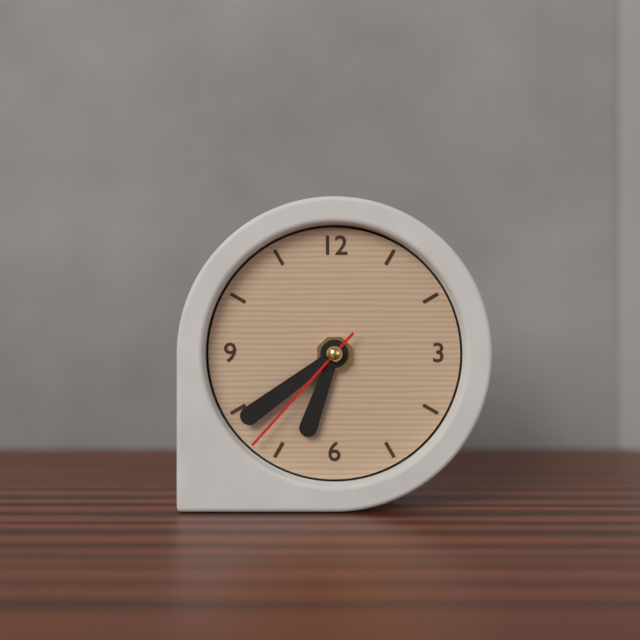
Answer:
6,39,37
